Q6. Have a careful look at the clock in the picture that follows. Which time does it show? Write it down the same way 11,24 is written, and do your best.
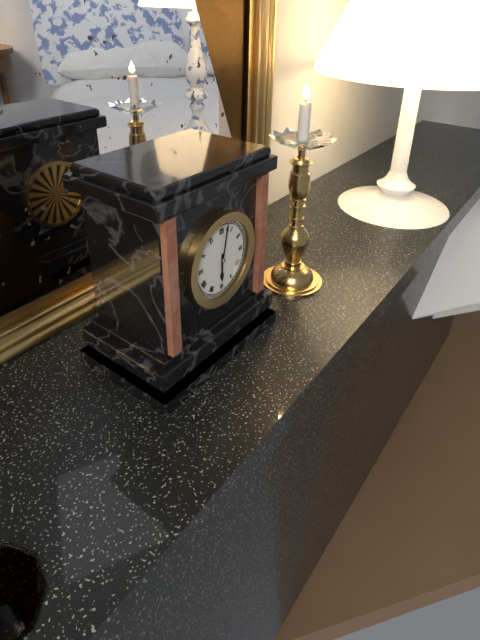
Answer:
6,02
